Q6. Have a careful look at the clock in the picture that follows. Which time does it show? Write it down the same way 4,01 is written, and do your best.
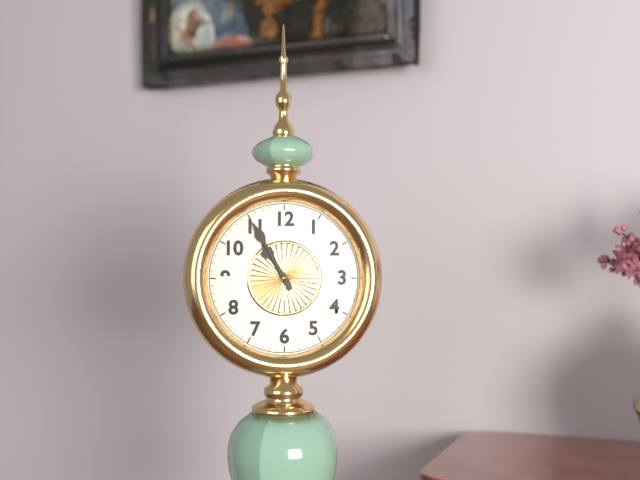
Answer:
10,55
